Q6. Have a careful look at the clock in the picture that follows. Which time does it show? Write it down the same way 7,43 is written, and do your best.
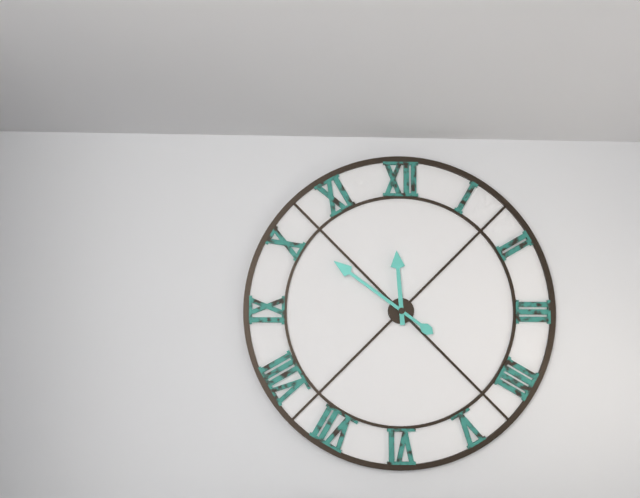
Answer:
11,51
